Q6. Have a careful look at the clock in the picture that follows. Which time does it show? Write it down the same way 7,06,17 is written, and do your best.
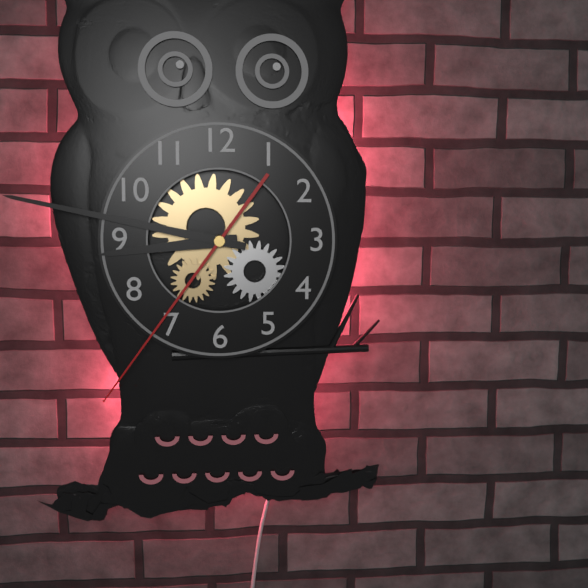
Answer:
8,47,36
